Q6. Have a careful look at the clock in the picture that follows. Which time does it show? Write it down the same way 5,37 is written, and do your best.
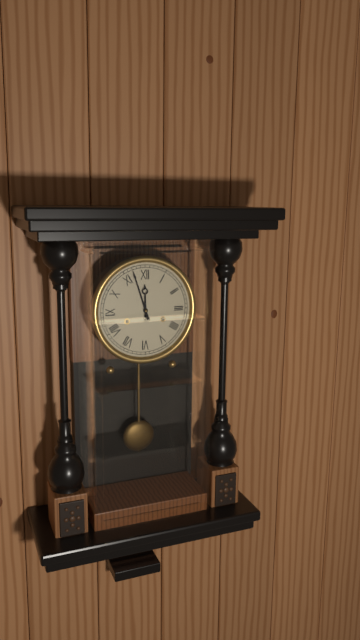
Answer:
11,57
